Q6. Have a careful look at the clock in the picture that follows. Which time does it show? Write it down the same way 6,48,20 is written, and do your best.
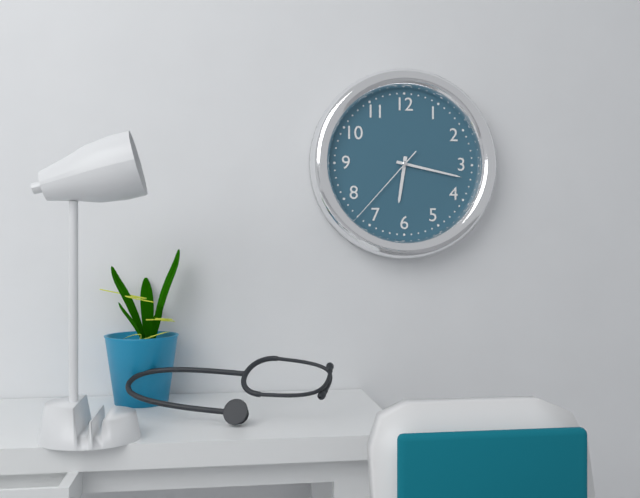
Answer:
6,17,37
